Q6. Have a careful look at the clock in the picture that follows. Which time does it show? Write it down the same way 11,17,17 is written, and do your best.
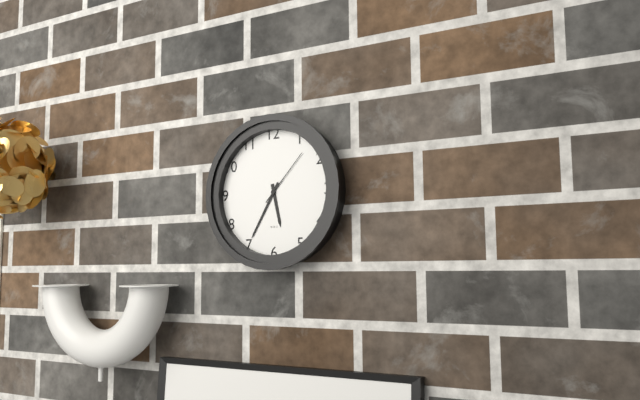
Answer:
5,35,07
